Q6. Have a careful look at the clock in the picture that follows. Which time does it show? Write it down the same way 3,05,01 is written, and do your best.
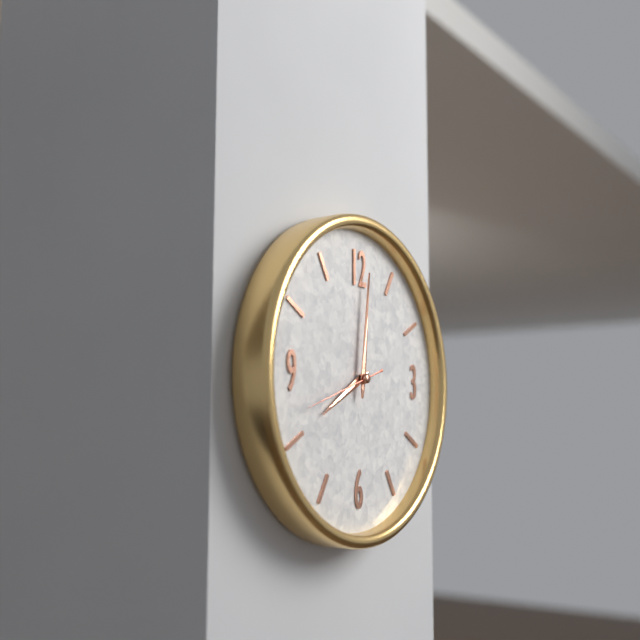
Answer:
8,01,42
